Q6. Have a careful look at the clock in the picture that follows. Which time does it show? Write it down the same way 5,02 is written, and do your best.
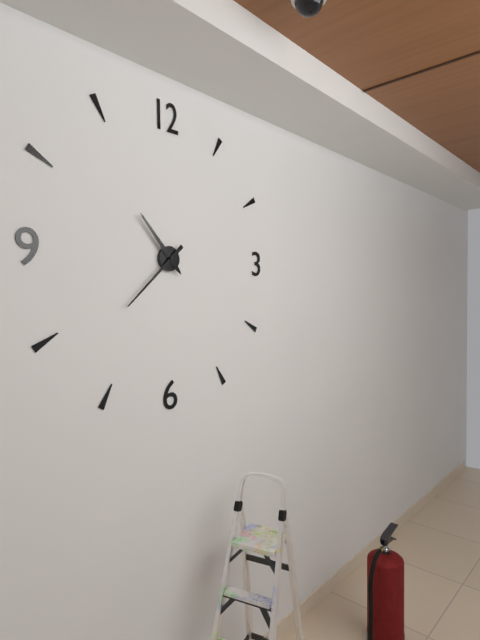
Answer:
10,38
